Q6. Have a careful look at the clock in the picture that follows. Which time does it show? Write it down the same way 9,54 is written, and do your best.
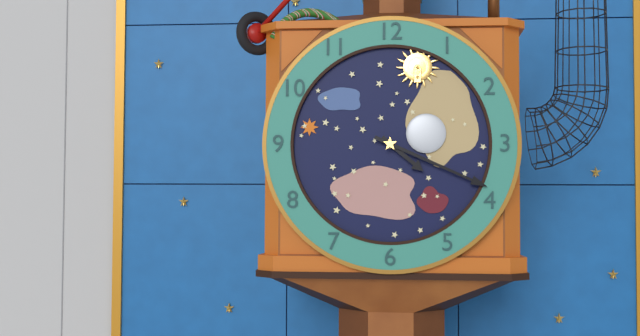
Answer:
4,19
